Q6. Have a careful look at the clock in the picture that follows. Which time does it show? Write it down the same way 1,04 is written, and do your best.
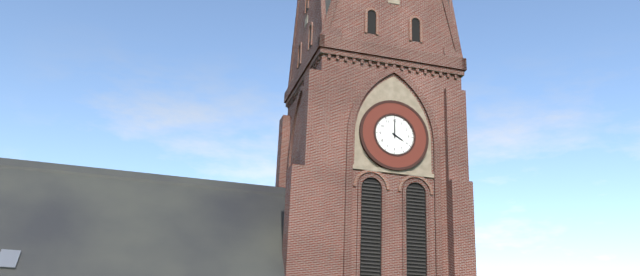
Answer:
4,00
